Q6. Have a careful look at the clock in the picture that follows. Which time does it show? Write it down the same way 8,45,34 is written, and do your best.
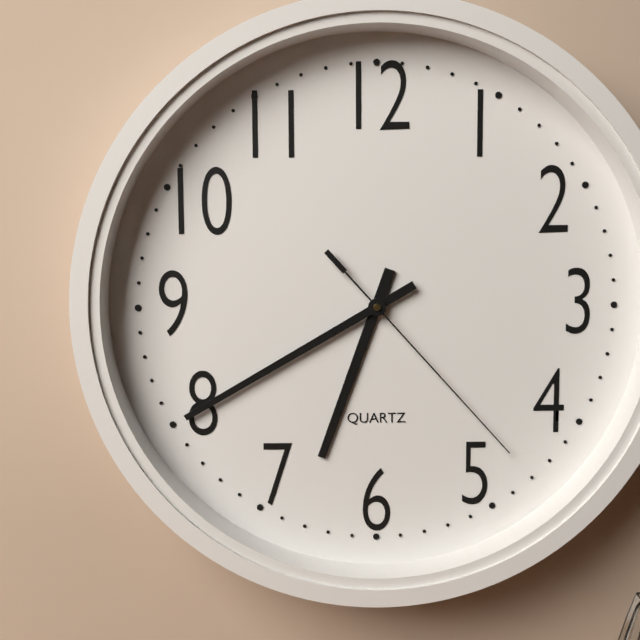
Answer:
6,40,23
